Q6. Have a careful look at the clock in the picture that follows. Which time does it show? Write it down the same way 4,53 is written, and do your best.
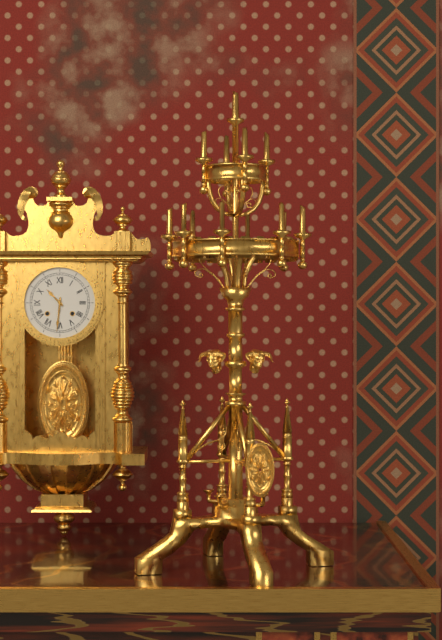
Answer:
10,31
